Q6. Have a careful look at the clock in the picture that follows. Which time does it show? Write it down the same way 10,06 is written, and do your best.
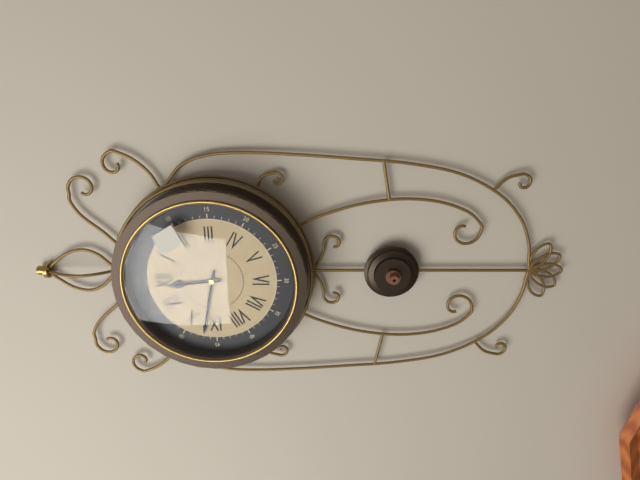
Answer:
11,47
